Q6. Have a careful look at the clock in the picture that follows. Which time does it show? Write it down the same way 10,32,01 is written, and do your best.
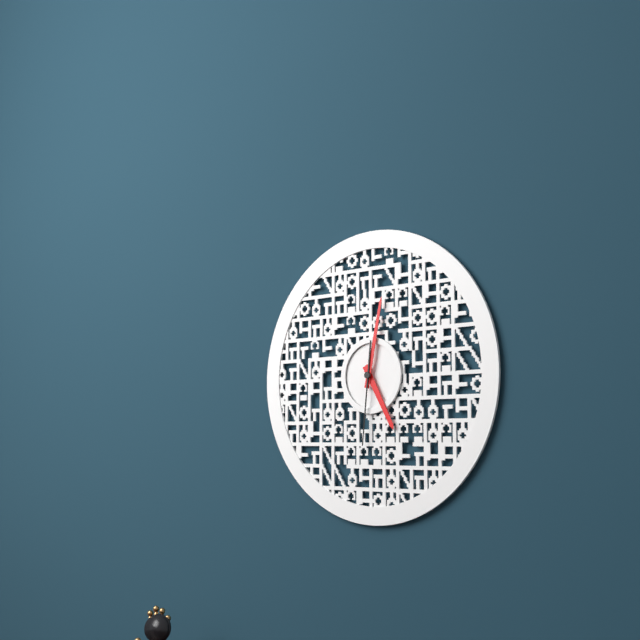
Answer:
5,02,31
